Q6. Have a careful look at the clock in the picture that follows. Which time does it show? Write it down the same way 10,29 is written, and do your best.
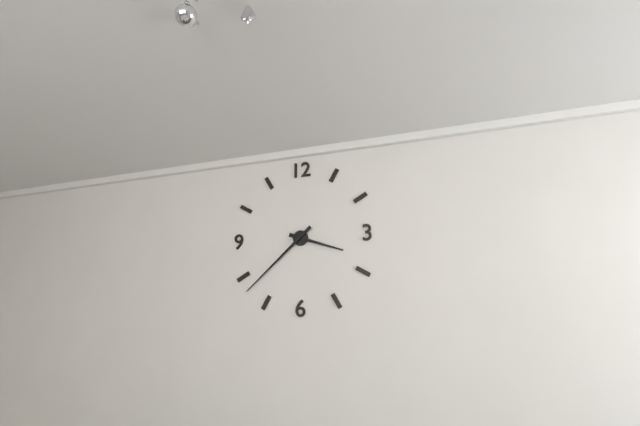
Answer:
3,38
